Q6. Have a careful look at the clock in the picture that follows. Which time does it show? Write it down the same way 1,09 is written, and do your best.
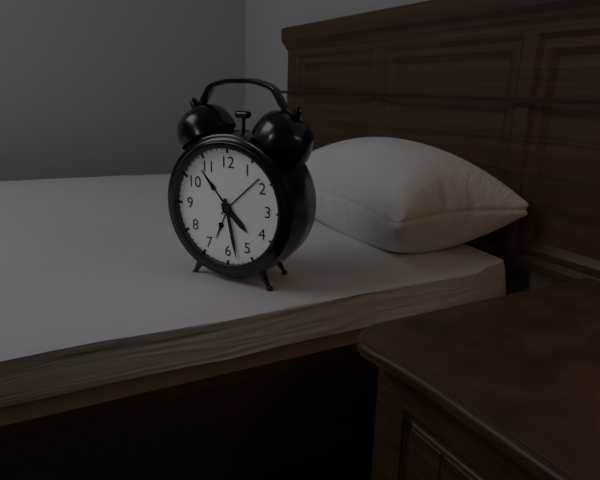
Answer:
4,28
